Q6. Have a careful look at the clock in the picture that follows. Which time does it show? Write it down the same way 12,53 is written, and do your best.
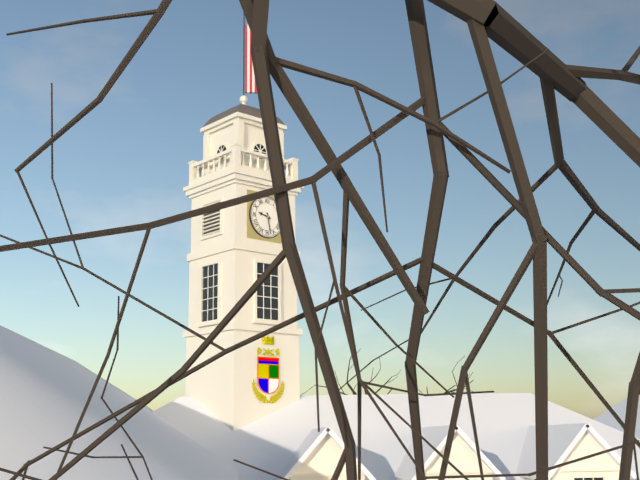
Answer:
9,28
